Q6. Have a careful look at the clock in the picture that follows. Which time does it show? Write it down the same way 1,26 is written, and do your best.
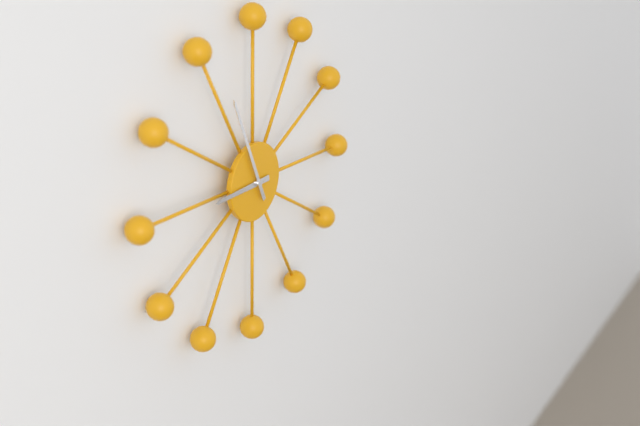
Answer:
8,56
